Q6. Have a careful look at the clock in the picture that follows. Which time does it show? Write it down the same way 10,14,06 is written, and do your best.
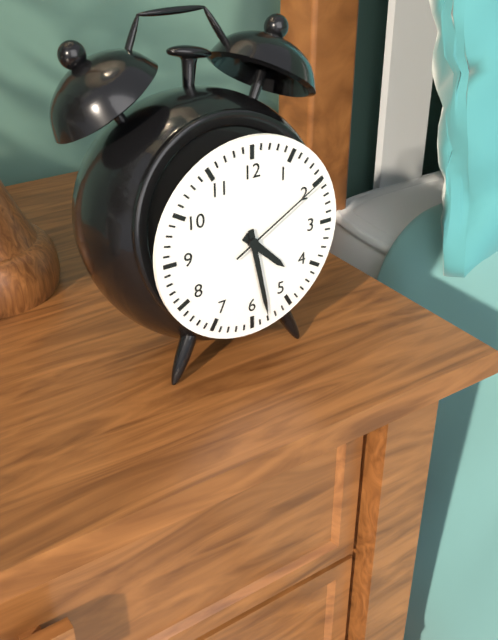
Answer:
4,28,10
